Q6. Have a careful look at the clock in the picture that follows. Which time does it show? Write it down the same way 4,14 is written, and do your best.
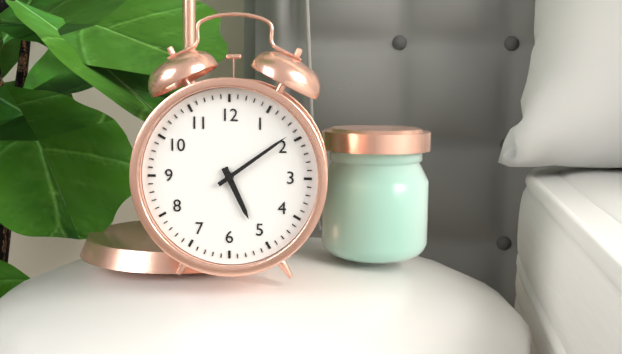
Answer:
5,09
